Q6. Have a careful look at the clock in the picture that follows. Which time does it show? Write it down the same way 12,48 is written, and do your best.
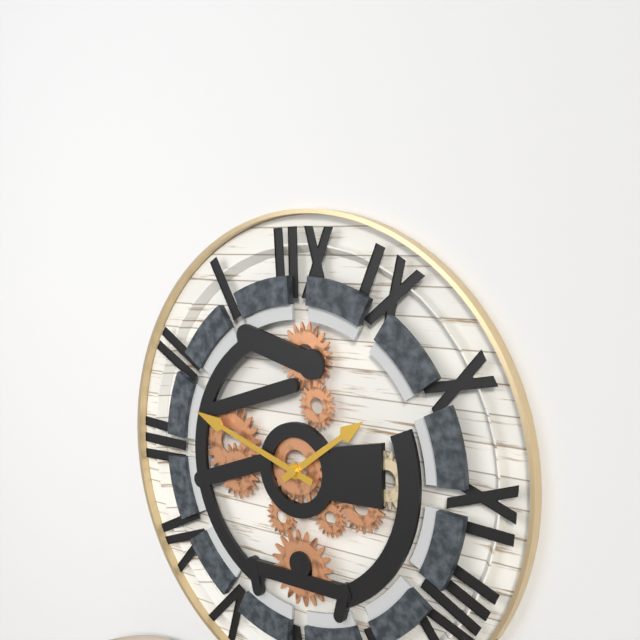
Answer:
1,48
